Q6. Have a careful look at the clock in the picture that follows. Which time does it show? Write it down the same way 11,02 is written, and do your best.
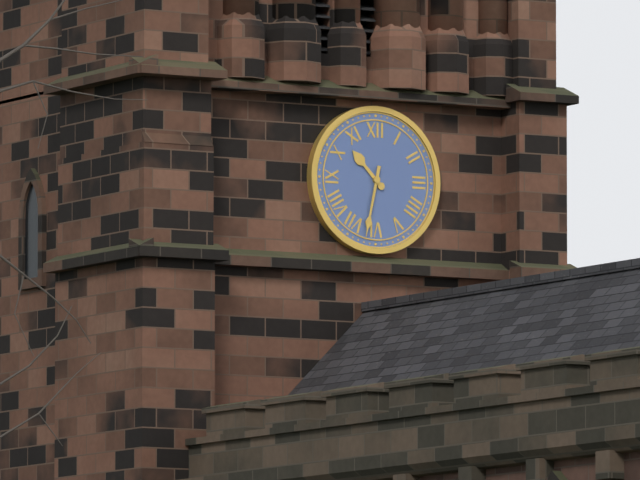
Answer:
10,32
